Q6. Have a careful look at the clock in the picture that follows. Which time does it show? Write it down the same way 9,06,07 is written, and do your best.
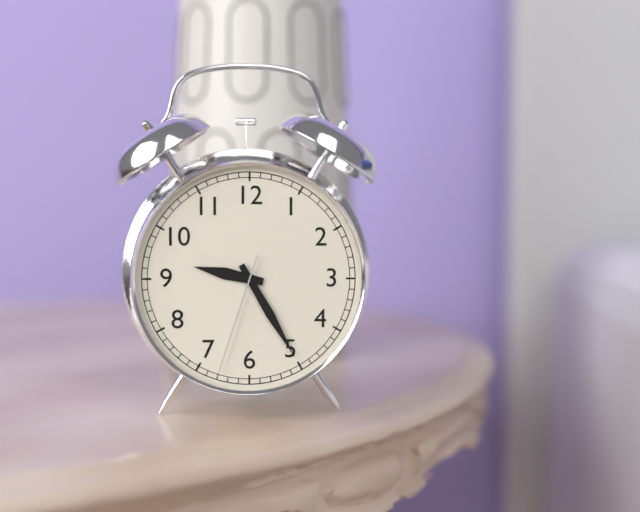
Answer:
9,25,33
